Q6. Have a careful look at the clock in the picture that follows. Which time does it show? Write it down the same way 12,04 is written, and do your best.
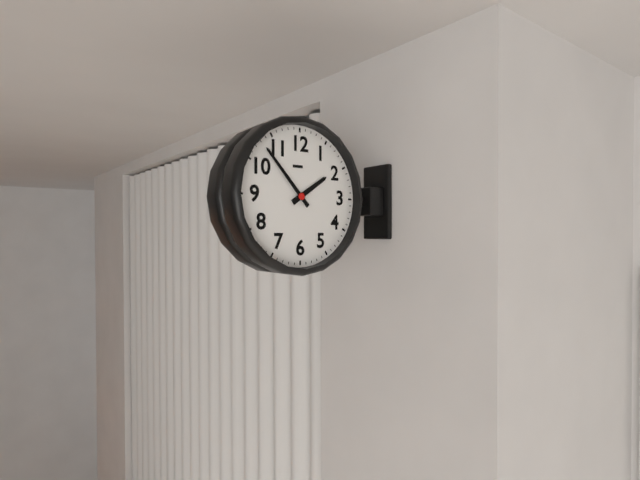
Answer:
1,53
